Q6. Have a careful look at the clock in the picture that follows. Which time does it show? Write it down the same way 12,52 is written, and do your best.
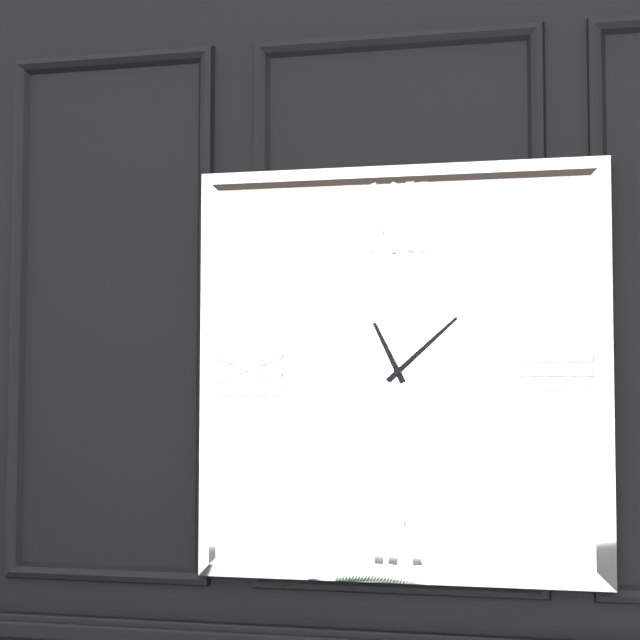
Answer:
11,08
